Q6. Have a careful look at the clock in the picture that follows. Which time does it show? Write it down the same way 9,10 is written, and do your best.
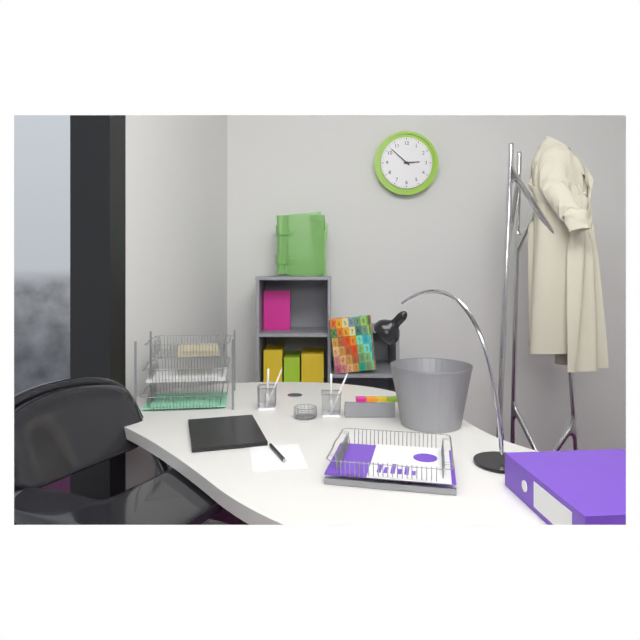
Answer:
2,52
